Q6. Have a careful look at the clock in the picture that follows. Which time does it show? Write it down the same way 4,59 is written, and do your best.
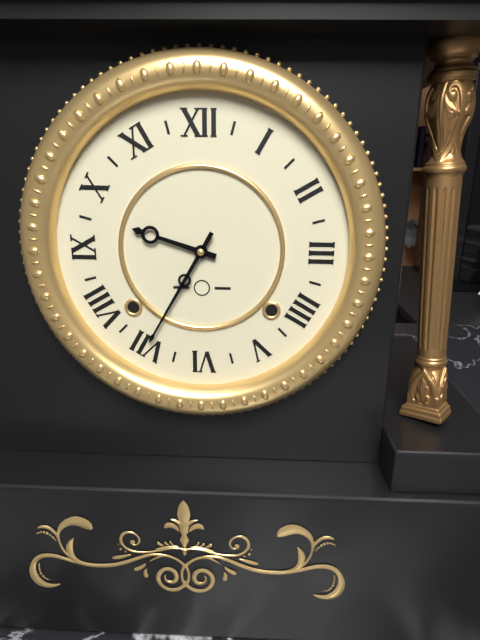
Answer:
9,35
